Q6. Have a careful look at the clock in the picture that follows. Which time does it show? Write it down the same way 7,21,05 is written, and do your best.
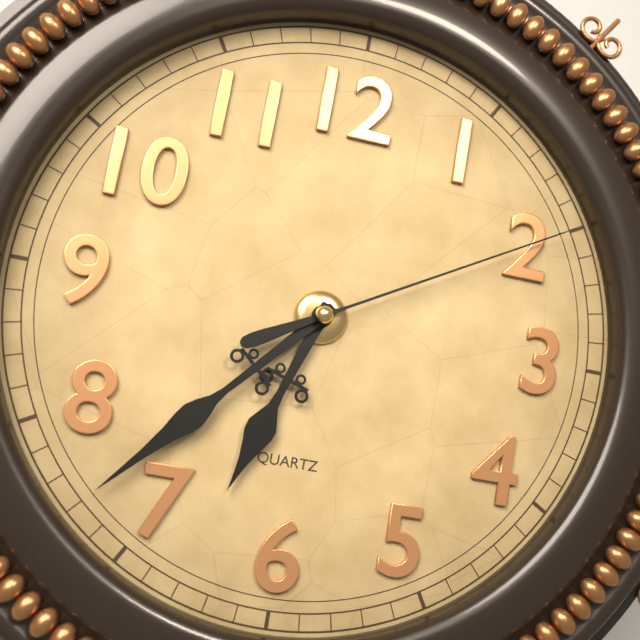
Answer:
6,37,10
